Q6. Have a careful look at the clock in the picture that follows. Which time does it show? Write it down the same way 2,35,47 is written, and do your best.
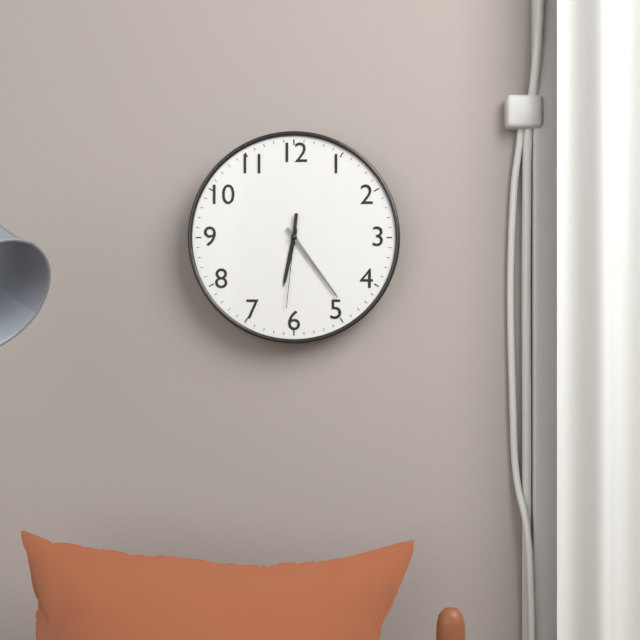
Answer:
6,24,31
